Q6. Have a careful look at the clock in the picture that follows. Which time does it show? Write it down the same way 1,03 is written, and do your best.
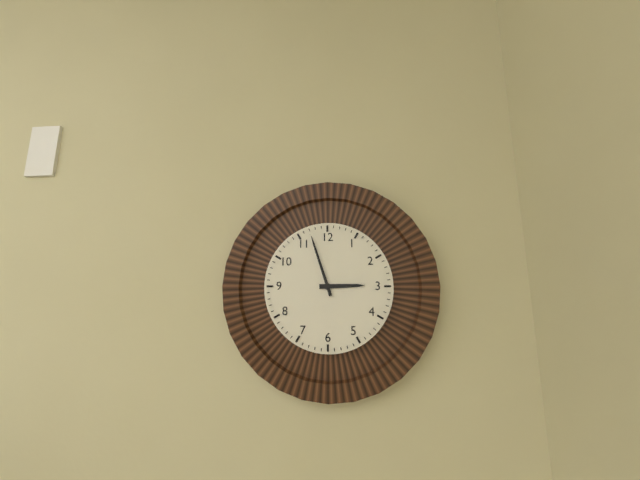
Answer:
2,57
